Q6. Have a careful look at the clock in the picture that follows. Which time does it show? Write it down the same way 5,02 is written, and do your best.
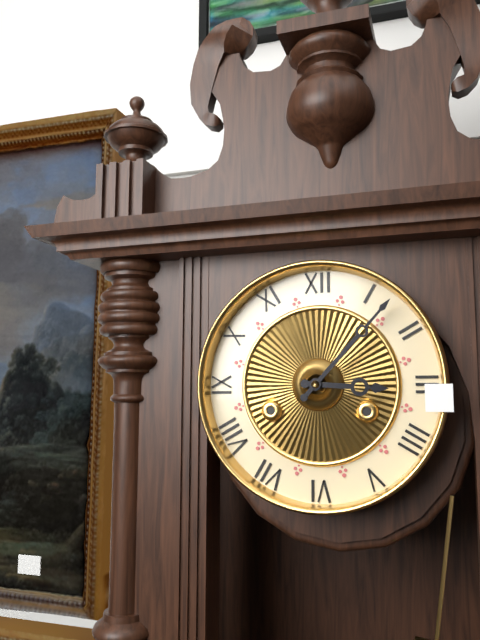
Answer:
3,07
